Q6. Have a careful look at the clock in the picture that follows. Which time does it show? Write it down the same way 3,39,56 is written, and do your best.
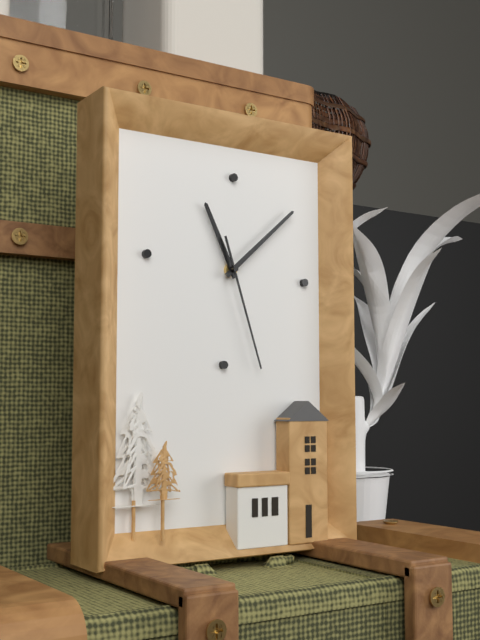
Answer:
11,08,27
